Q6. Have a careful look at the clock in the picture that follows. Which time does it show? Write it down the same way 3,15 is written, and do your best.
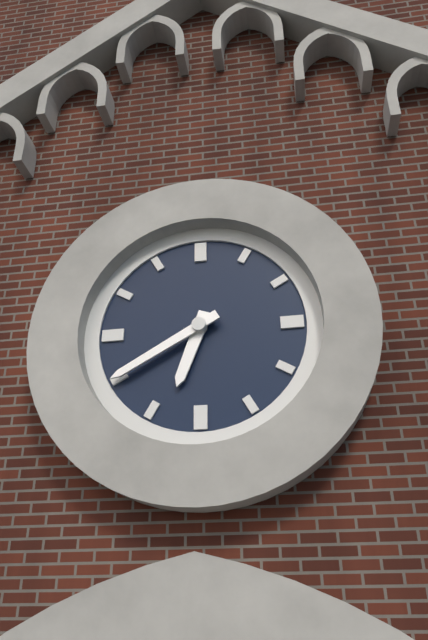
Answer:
6,40
